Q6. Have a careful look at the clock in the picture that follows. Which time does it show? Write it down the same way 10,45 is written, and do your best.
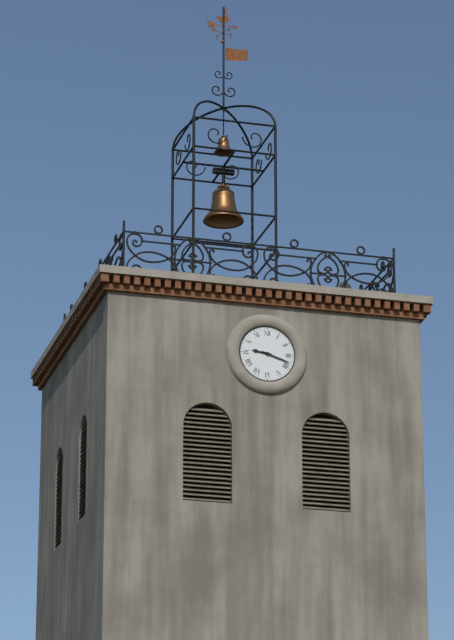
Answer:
9,18
